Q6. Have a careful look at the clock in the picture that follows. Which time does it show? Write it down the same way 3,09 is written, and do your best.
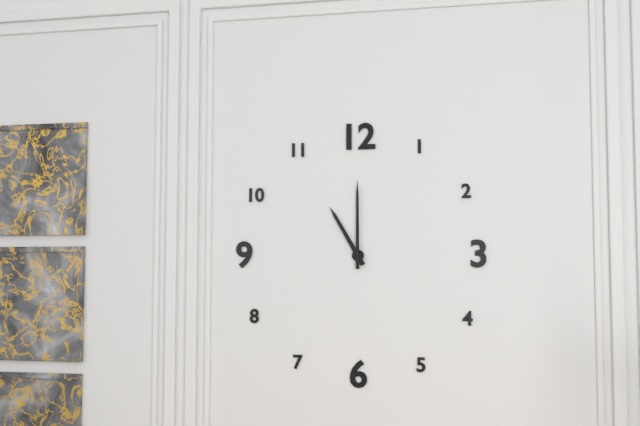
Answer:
11,00
